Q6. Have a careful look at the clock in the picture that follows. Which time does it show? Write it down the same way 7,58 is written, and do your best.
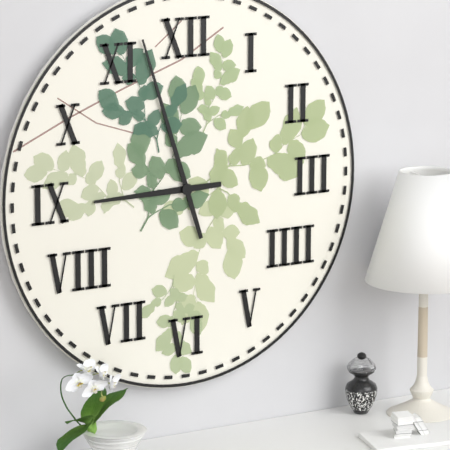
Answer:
8,57
